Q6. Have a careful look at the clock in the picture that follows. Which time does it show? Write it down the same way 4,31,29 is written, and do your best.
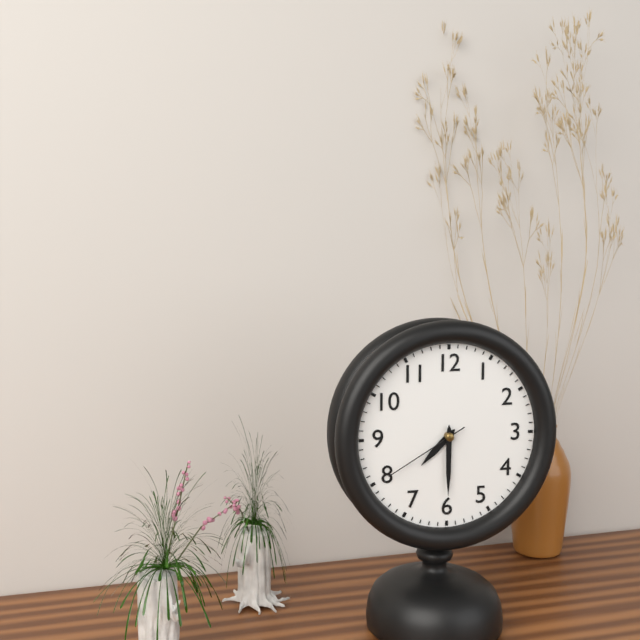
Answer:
7,30,40
